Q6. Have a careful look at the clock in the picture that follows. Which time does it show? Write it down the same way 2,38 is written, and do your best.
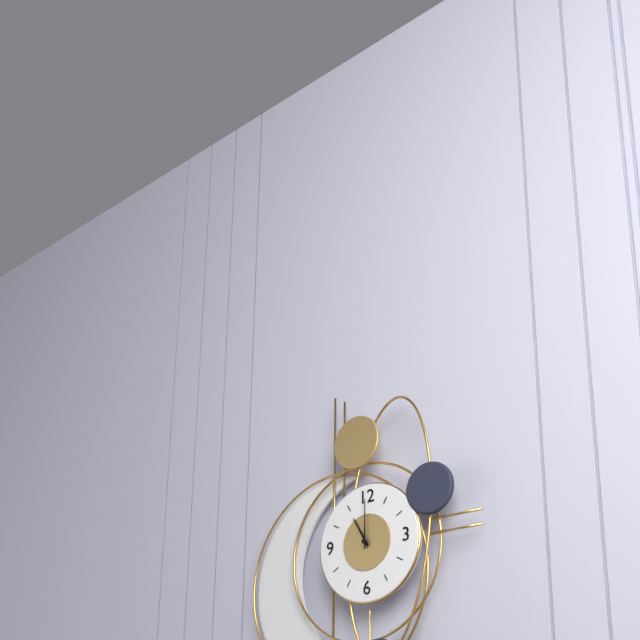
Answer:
11,00
